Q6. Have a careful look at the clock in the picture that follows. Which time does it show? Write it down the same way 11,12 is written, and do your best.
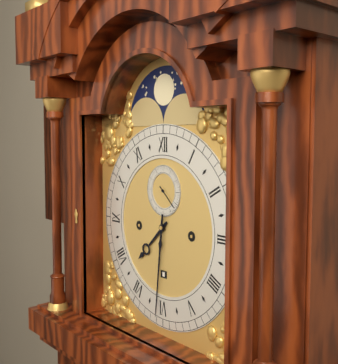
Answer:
7,31
